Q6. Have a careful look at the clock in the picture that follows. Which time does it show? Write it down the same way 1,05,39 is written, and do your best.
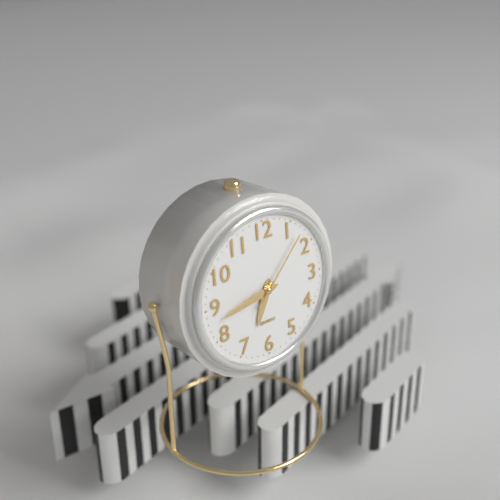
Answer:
6,43,07
